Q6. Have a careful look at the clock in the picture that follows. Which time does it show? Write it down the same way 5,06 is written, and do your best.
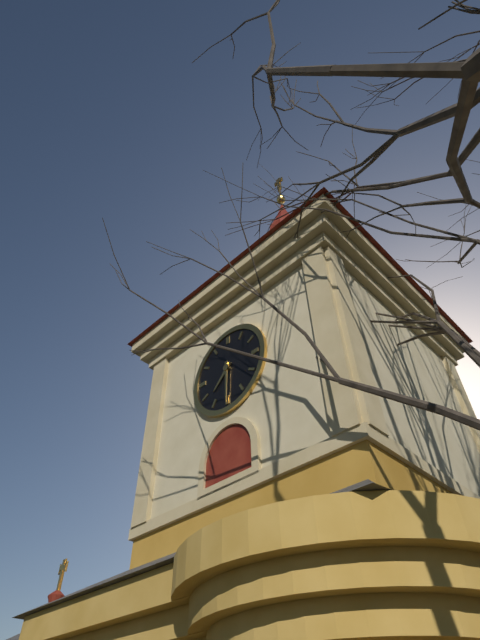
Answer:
7,30
